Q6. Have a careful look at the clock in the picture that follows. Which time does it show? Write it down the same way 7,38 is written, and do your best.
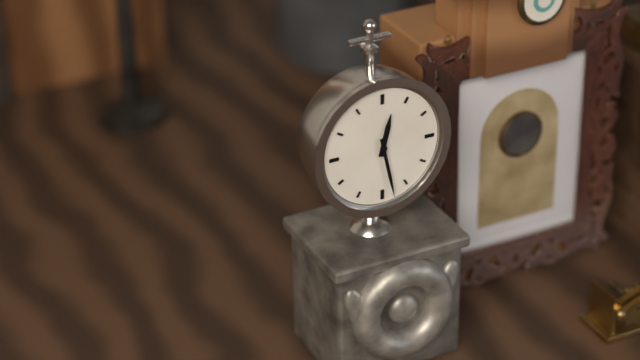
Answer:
12,28
